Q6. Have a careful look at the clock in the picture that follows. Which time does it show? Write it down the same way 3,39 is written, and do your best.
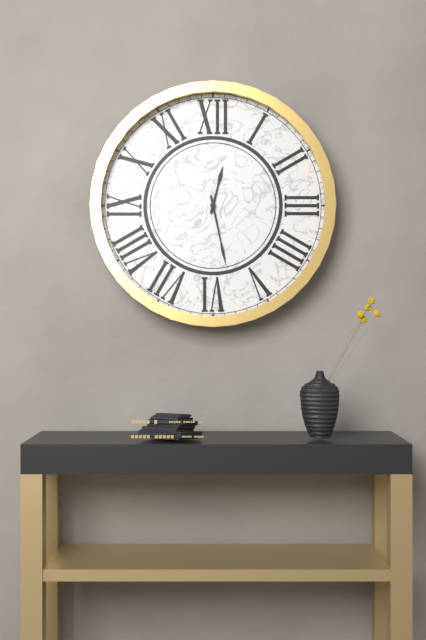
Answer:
12,28
